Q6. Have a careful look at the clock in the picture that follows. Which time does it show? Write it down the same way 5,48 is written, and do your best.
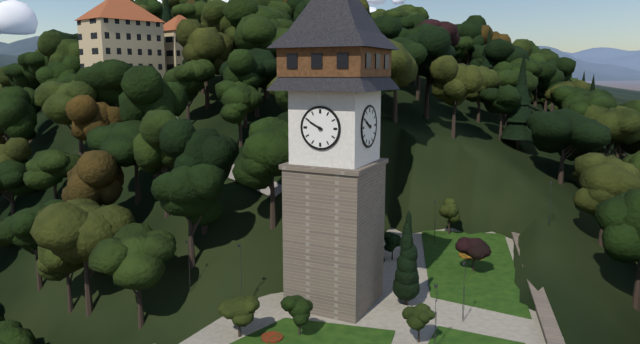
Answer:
9,50
